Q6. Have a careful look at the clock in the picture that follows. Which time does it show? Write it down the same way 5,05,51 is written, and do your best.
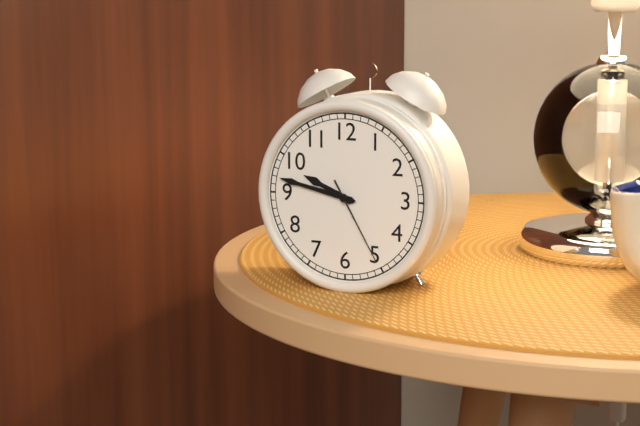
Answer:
9,47,25
